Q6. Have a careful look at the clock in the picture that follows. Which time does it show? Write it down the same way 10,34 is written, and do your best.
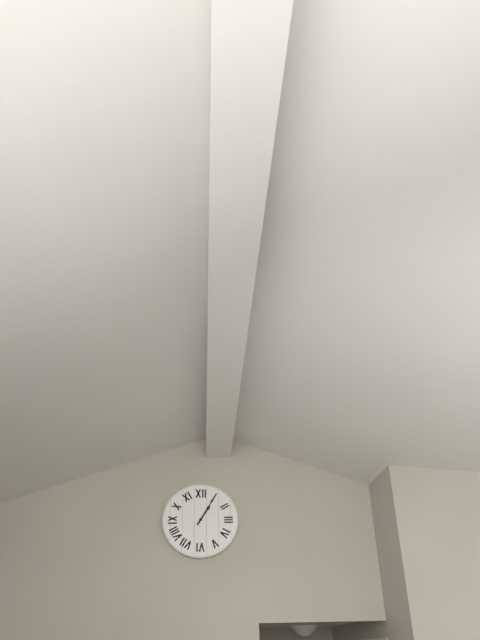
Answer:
1,05
